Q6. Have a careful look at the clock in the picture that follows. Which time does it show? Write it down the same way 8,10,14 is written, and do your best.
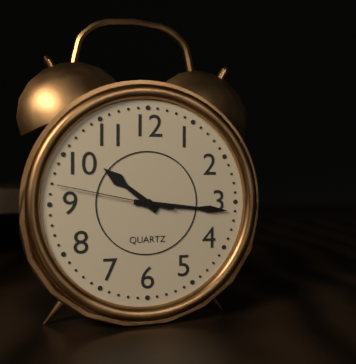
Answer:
10,16,47
